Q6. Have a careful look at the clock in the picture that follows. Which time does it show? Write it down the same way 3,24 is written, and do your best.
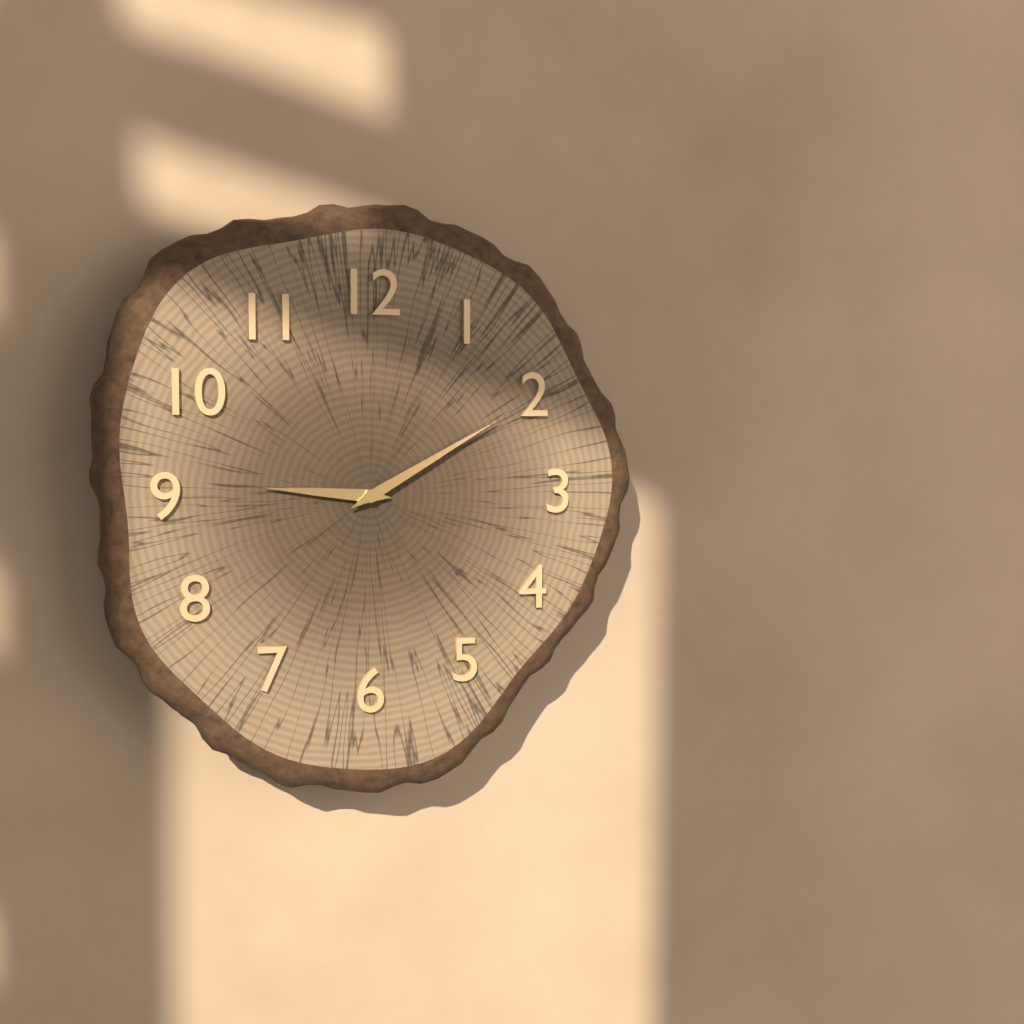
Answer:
9,10
